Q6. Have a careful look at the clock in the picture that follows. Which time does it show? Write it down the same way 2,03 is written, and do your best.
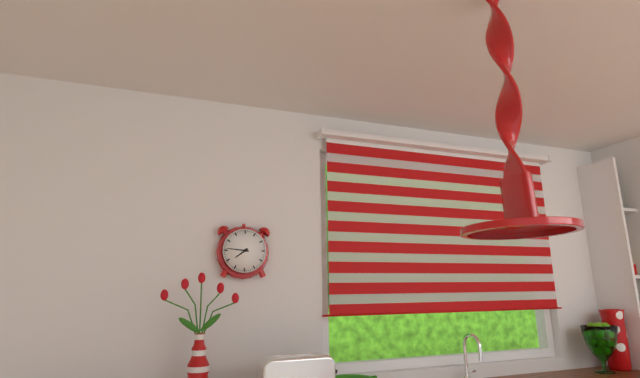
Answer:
7,46
